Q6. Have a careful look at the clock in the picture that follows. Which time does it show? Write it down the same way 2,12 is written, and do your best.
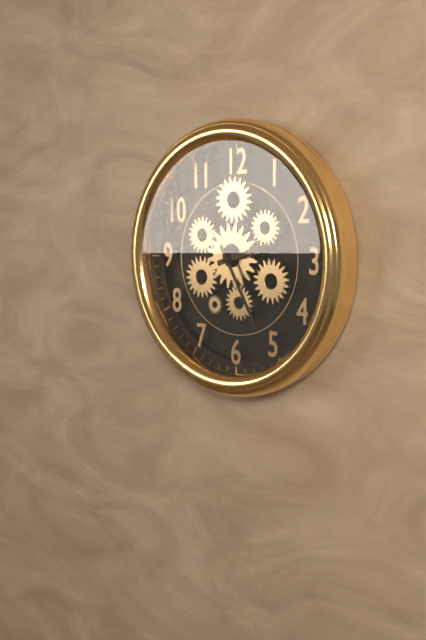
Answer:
2,25
